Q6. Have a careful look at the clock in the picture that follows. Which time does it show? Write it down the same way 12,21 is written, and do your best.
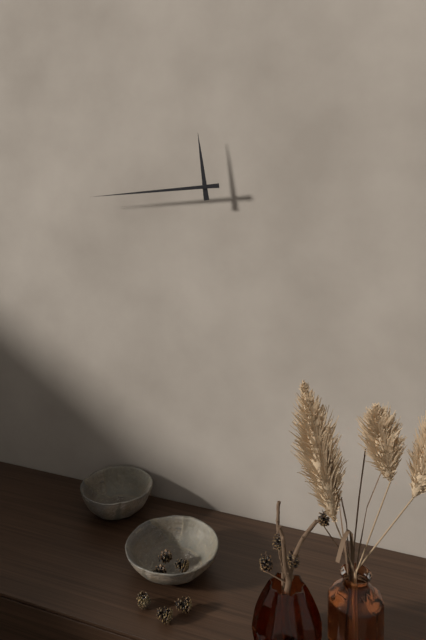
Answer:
11,44
